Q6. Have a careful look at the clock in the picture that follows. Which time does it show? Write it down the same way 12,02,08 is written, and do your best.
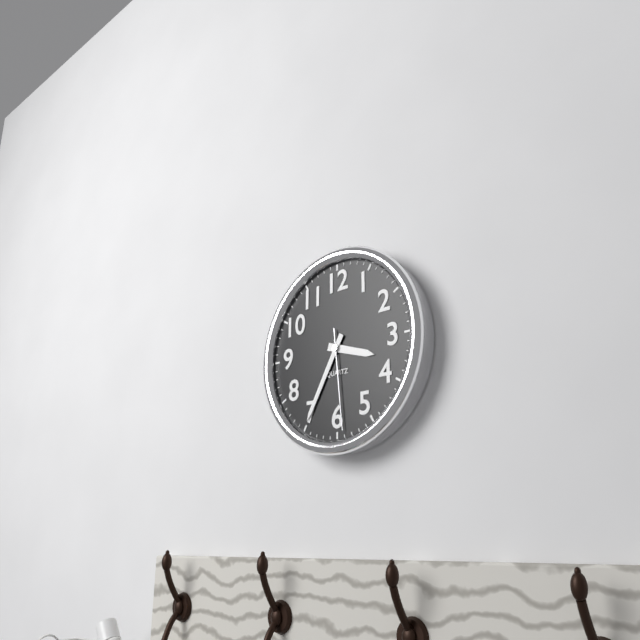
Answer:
3,35,29
